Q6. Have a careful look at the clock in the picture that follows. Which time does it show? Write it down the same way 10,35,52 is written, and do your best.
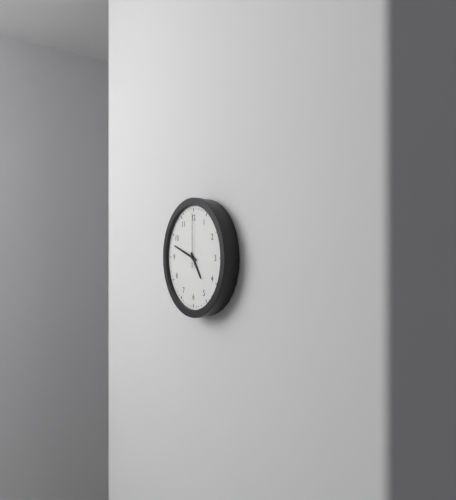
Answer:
4,48,00
